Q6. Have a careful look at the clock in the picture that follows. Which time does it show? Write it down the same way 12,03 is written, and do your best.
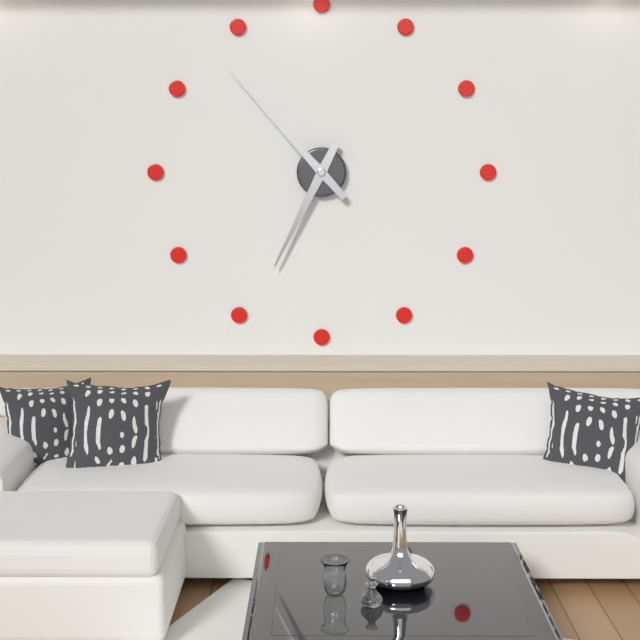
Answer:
6,53
